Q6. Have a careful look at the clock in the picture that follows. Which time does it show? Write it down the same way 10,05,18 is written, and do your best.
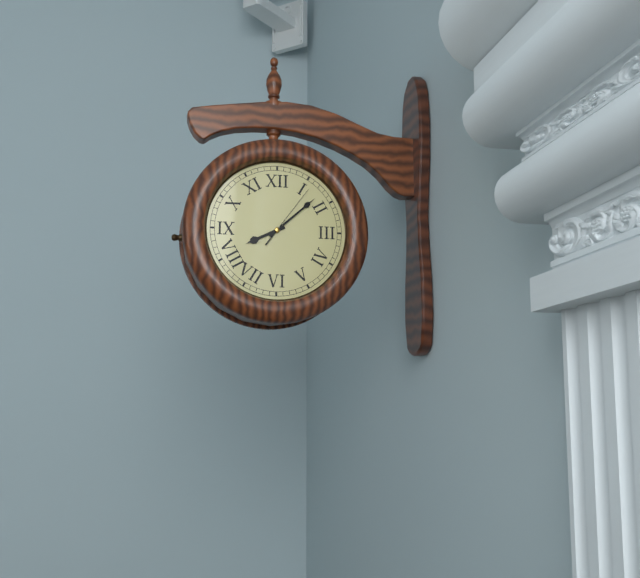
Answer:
8,08,06
